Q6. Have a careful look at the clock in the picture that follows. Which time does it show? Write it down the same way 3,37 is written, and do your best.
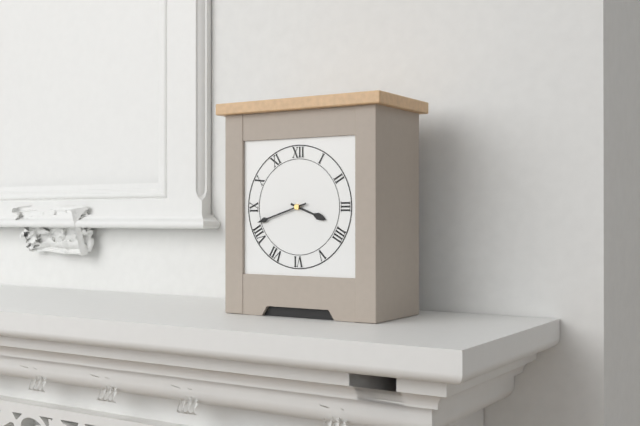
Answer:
3,42
